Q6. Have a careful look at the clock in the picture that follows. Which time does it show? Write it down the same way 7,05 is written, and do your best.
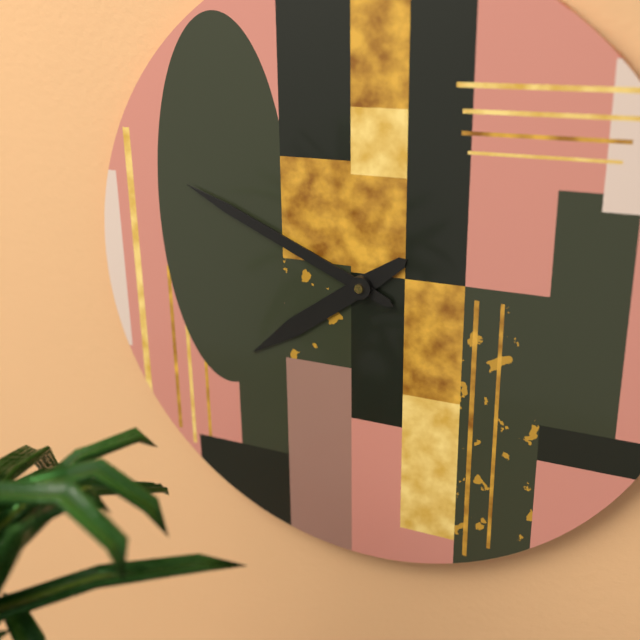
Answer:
7,49
